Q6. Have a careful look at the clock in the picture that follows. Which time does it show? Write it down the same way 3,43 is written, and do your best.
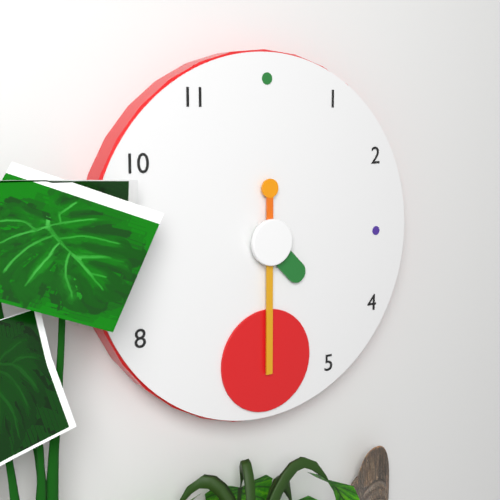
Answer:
4,30
